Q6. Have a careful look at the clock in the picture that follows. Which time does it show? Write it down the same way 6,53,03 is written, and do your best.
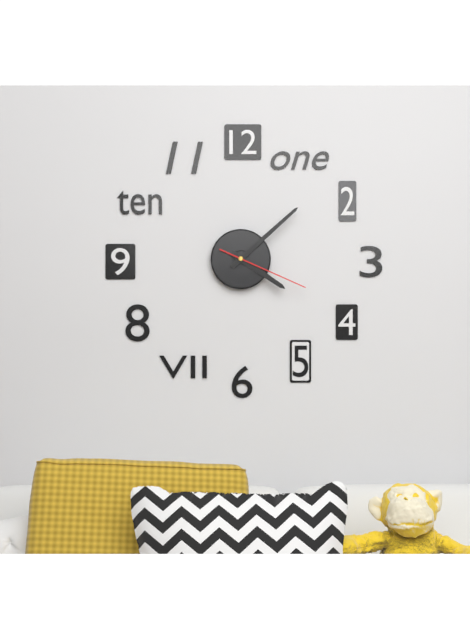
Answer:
4,08,19
